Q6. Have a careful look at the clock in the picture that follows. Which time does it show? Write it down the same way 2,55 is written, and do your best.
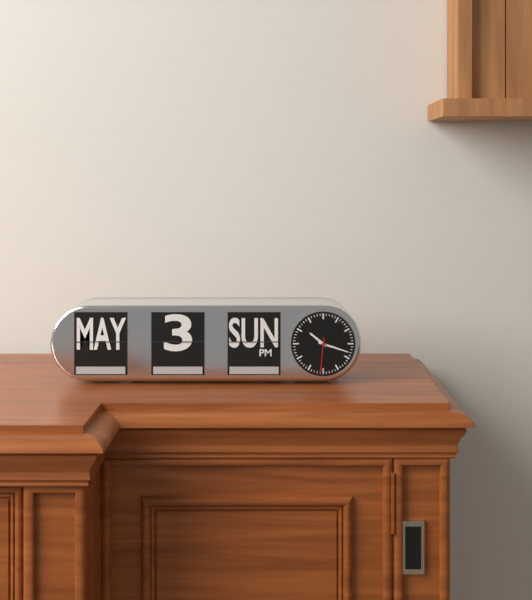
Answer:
10,18
